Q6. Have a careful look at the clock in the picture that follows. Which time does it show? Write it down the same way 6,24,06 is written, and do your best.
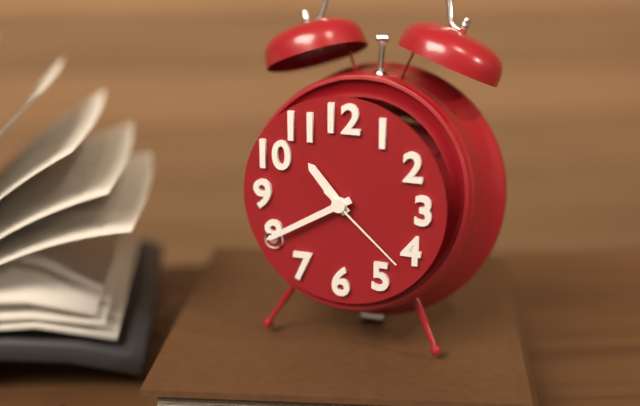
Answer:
10,40,22
